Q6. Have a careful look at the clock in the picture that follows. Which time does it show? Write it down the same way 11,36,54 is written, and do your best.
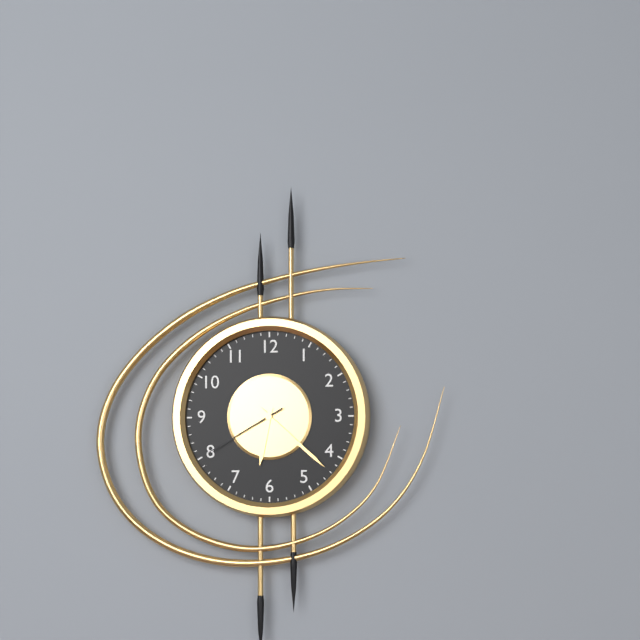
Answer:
6,22,40
